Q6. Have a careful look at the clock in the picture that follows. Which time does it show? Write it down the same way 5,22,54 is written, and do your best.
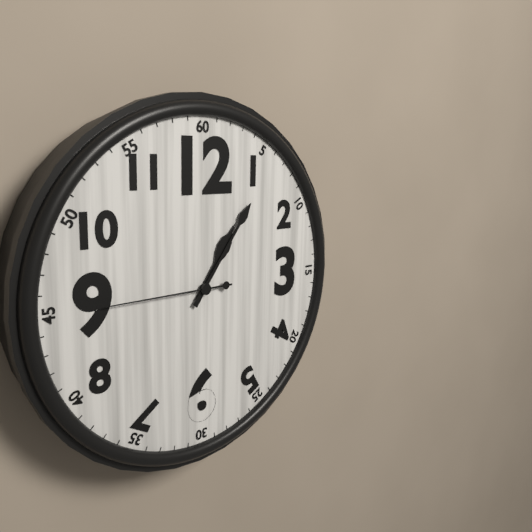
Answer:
1,06,45
